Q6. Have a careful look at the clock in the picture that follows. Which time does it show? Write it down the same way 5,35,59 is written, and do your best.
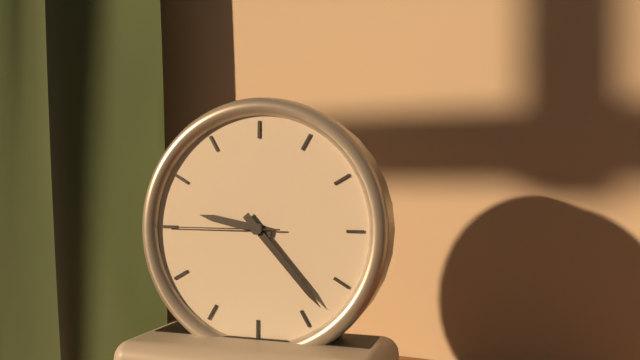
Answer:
9,23,45
